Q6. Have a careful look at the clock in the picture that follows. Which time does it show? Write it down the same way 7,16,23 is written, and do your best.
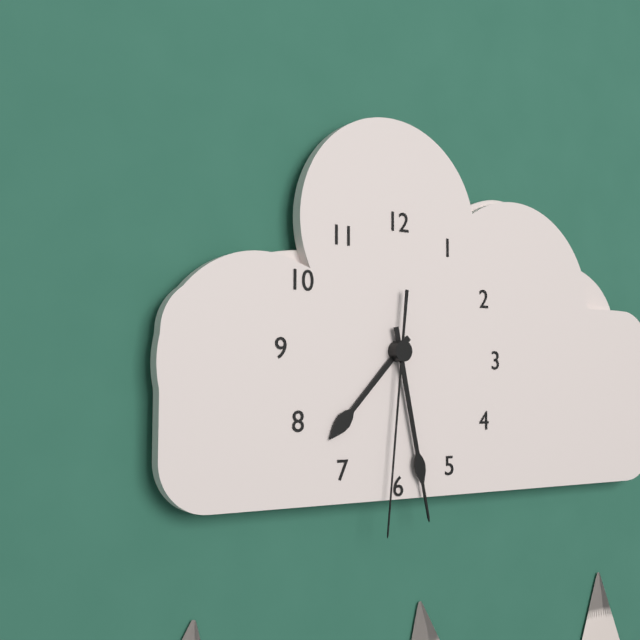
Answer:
7,28,31
